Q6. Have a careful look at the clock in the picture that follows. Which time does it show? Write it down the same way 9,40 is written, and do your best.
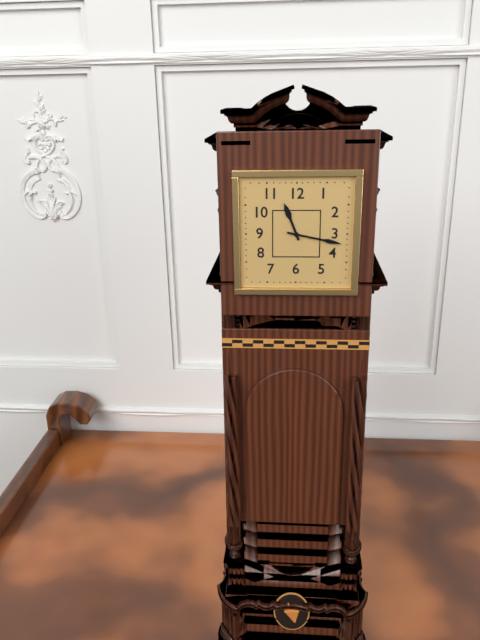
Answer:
11,17
